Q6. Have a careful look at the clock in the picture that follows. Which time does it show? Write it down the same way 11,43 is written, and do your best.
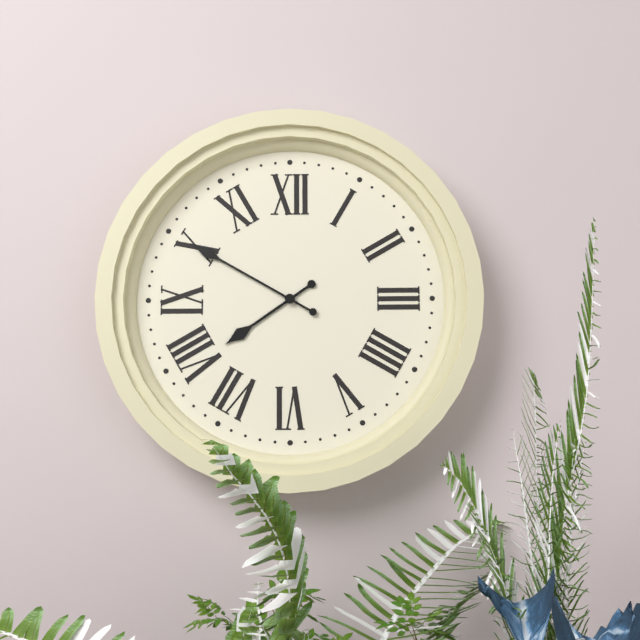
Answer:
7,50
